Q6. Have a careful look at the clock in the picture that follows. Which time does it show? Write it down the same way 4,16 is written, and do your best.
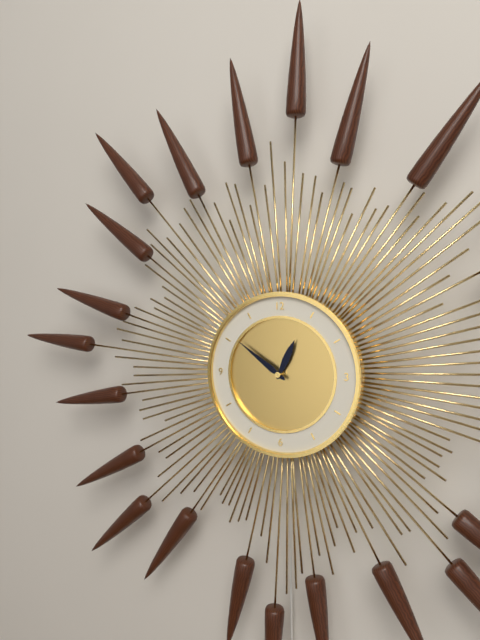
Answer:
12,51
